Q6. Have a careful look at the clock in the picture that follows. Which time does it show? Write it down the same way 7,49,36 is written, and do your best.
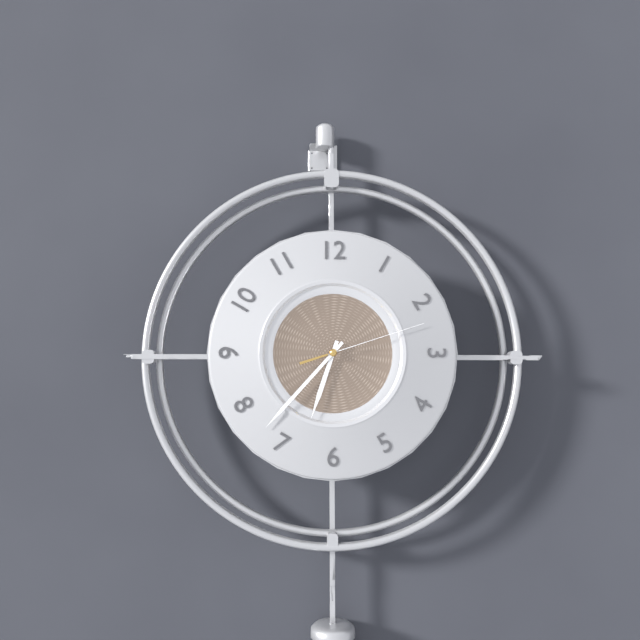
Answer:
6,37,12
